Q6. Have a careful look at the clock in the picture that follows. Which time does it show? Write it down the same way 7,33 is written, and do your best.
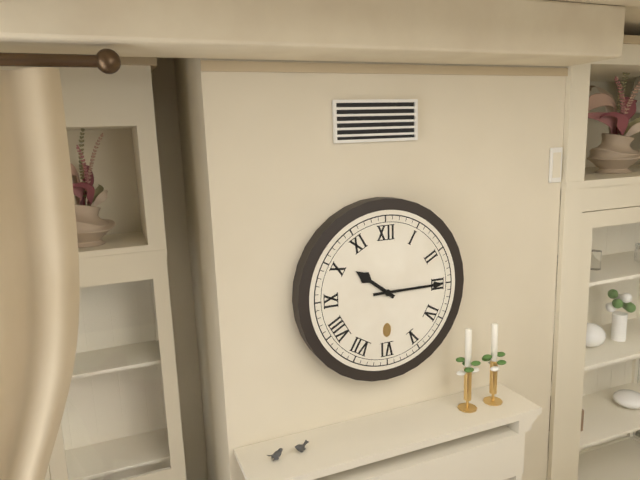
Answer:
10,15
